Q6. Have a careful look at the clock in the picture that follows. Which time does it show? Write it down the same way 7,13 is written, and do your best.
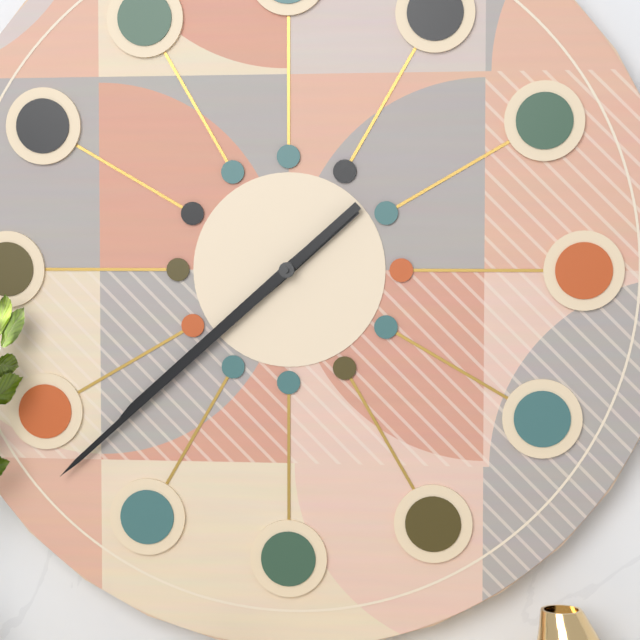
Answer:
7,38
